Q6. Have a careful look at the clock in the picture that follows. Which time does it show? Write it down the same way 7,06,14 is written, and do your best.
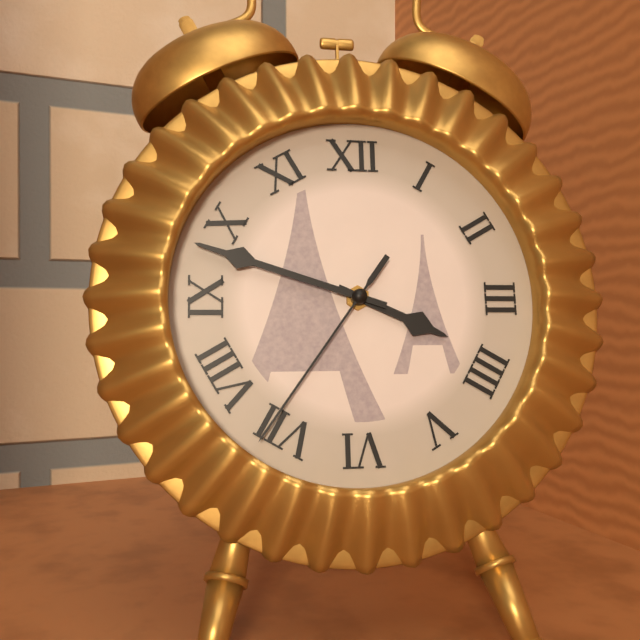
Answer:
3,48,36
